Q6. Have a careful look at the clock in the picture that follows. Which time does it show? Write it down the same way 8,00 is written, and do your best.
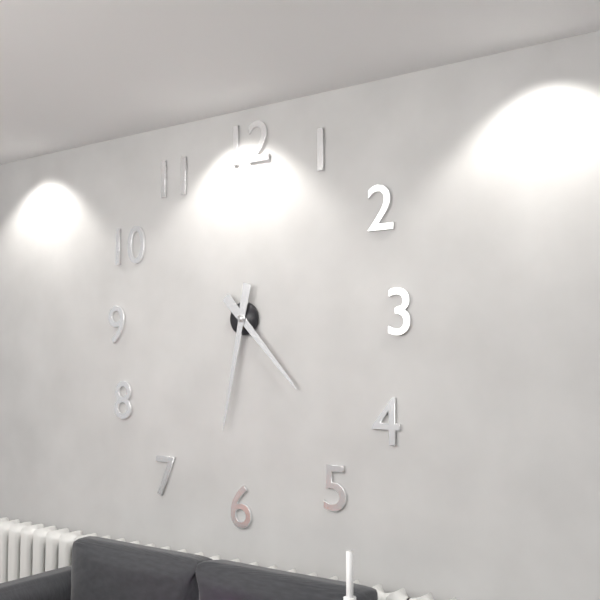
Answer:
4,32
